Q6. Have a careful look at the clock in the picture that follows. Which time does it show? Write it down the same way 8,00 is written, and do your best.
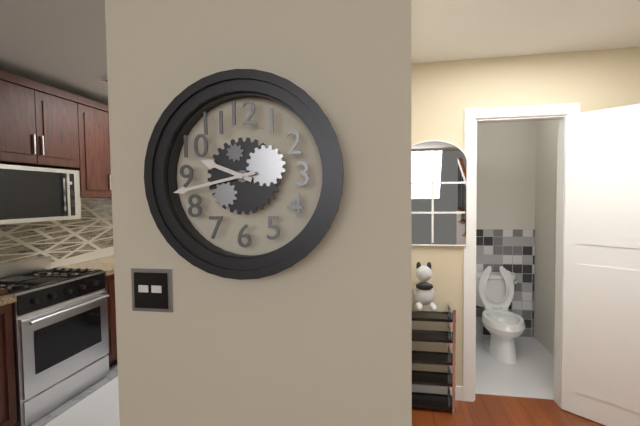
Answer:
9,43
